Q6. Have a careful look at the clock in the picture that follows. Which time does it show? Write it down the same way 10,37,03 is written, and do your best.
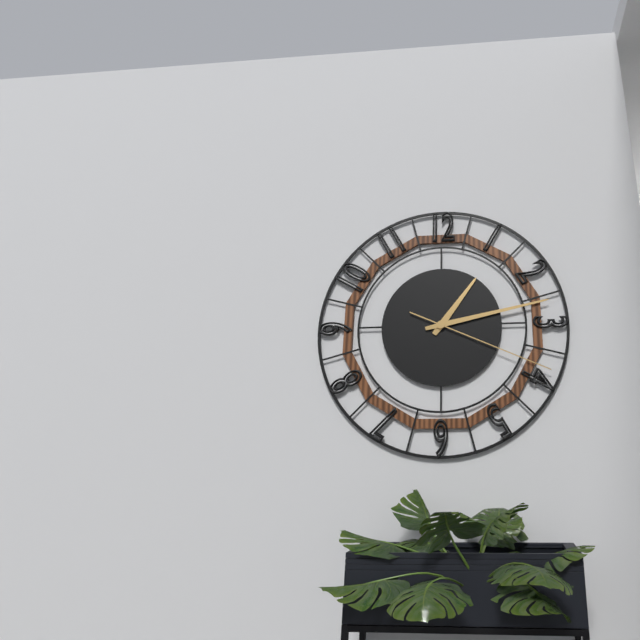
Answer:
1,13,19
